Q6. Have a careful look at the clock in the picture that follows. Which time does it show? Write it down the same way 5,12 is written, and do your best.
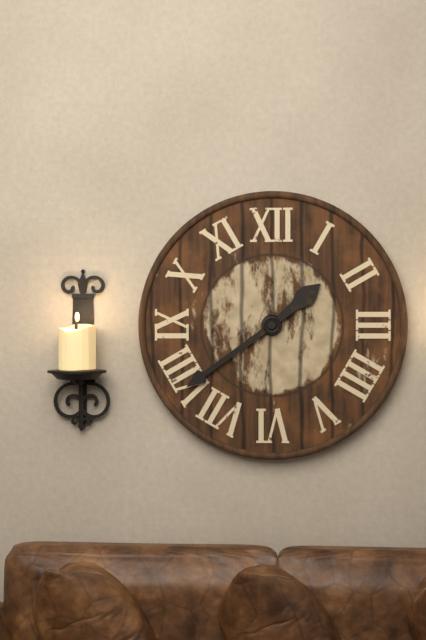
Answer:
1,39
